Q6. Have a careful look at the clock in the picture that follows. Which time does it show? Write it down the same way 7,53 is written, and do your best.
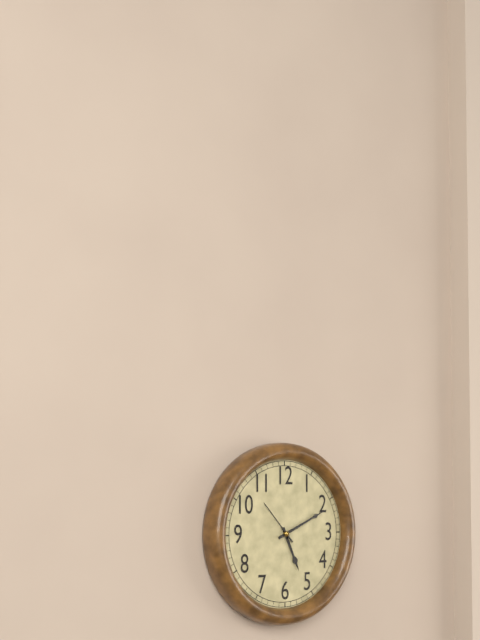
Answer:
5,11
